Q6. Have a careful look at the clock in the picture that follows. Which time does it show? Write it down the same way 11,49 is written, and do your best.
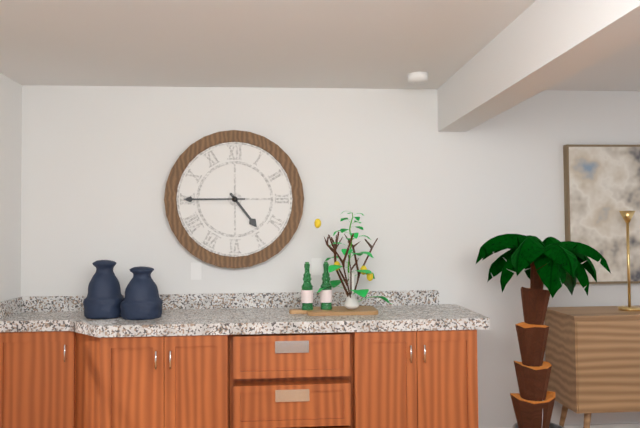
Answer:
4,45
